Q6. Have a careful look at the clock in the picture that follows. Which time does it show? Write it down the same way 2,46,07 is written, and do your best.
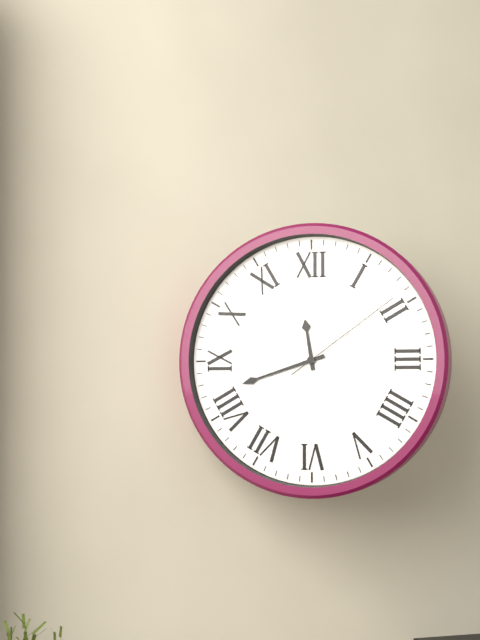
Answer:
11,42,09
